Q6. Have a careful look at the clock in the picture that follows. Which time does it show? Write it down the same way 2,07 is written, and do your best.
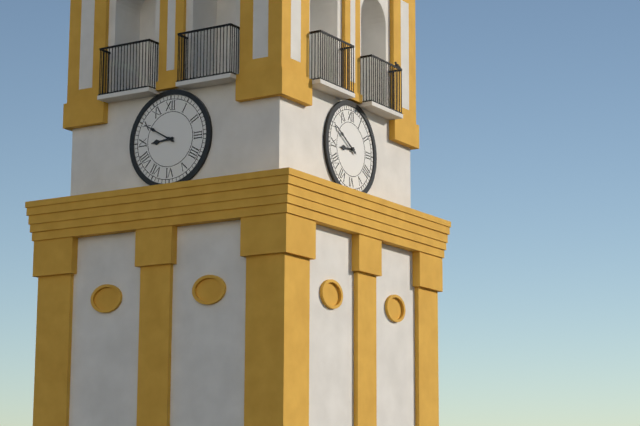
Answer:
8,50
